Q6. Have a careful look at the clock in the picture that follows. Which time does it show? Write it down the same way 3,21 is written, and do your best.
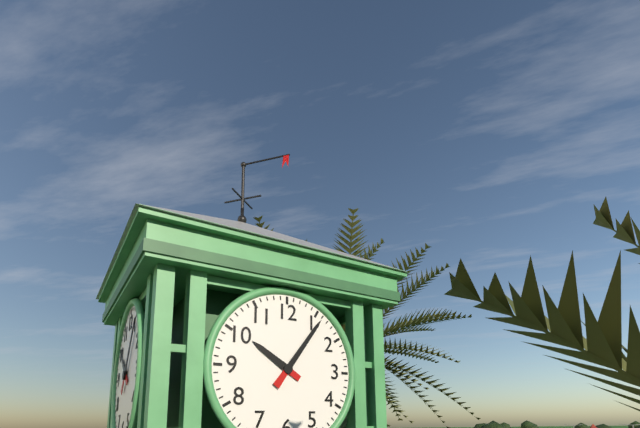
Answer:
10,06
